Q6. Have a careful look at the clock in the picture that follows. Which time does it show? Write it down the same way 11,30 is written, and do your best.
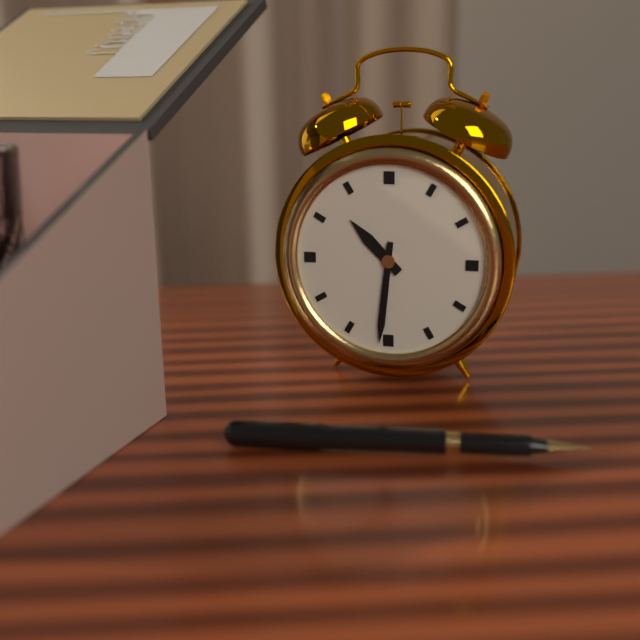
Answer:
10,31
